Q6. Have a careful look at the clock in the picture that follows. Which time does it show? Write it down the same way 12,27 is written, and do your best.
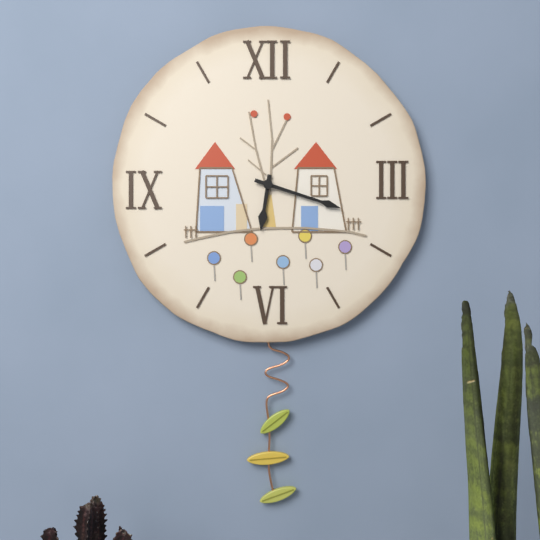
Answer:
6,18
